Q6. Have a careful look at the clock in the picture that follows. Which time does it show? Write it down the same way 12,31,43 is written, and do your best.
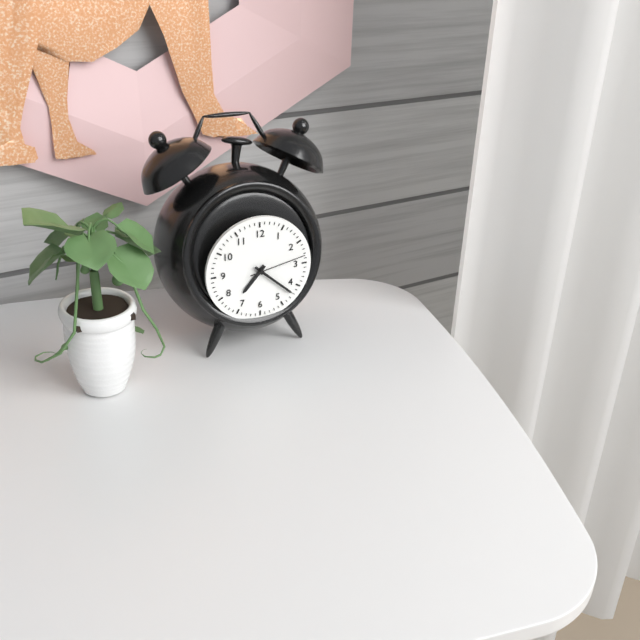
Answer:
7,22,13
